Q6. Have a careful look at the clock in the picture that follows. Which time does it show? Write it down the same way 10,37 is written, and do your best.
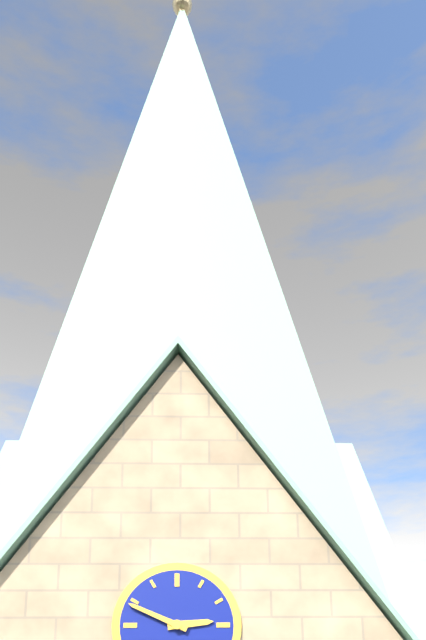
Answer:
2,49
